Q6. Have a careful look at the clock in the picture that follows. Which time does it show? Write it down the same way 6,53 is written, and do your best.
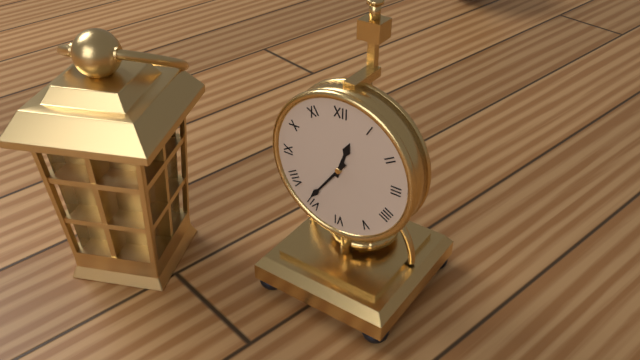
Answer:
12,36
